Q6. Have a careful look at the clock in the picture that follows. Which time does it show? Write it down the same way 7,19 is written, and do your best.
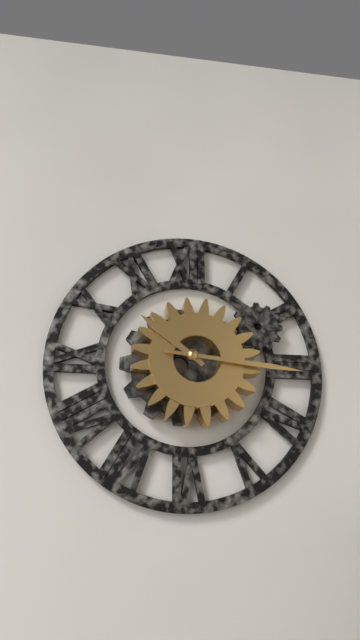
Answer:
10,16
